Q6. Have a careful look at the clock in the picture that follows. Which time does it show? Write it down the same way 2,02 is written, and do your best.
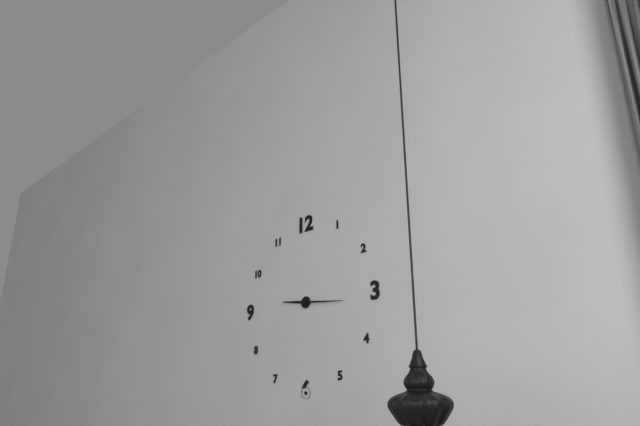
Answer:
9,16
